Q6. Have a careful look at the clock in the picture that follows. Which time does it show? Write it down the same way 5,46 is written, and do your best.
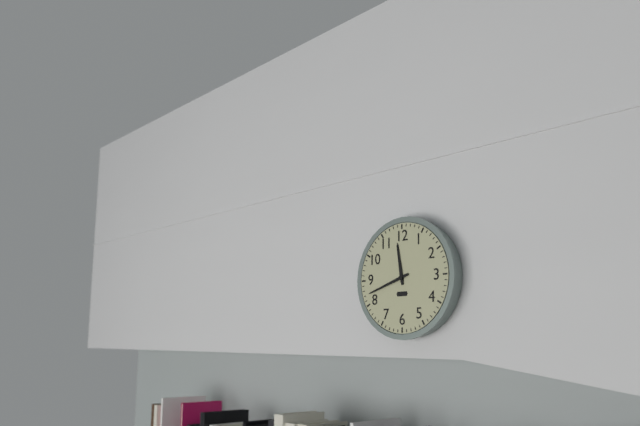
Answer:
11,42
